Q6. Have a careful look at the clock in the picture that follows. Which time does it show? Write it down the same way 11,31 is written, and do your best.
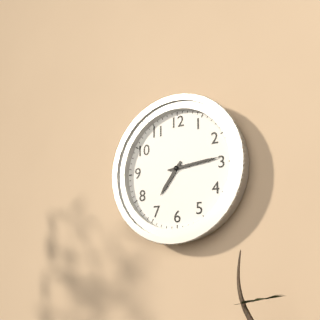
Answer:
7,14
